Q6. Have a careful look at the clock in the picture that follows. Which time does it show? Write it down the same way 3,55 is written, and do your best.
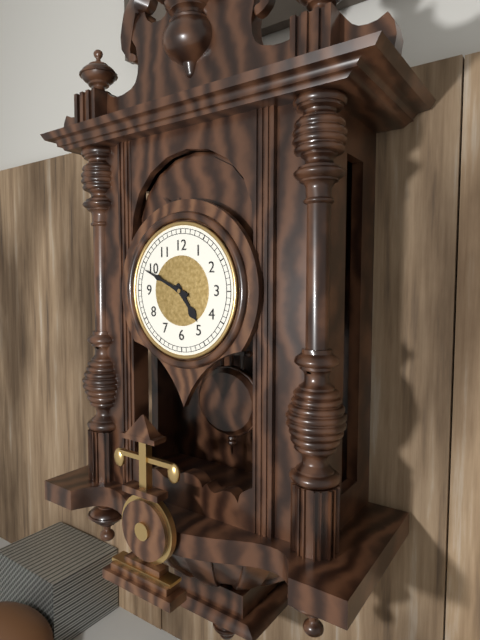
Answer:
4,49
